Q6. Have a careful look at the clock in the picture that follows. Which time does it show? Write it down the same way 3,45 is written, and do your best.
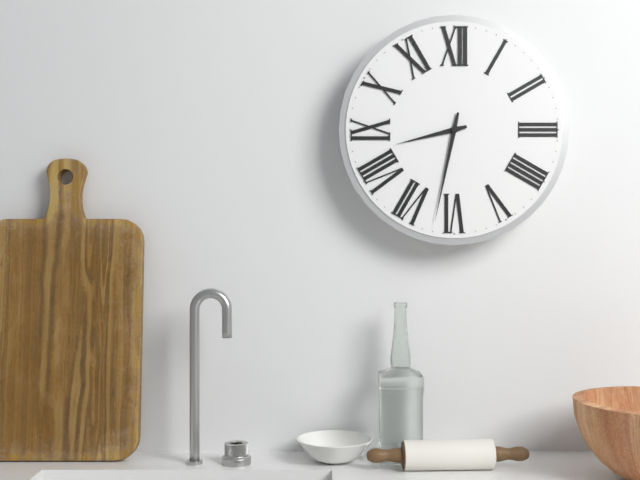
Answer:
8,32
